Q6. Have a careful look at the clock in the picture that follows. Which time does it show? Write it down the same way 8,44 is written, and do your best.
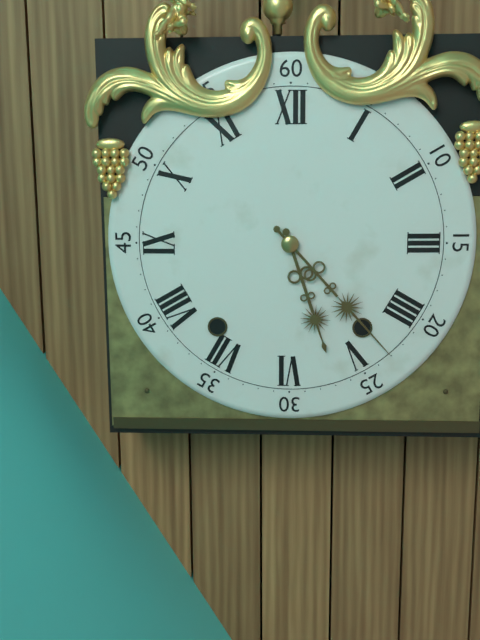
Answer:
5,23
